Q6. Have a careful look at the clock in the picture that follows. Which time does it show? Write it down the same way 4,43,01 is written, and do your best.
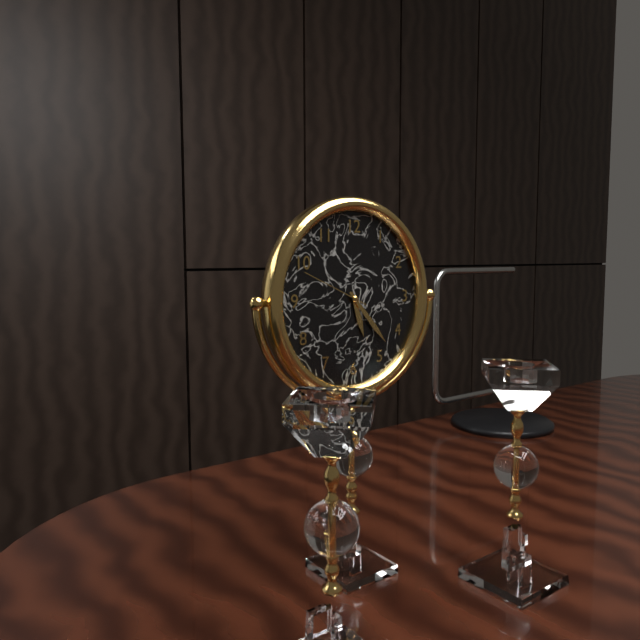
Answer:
5,23,49
